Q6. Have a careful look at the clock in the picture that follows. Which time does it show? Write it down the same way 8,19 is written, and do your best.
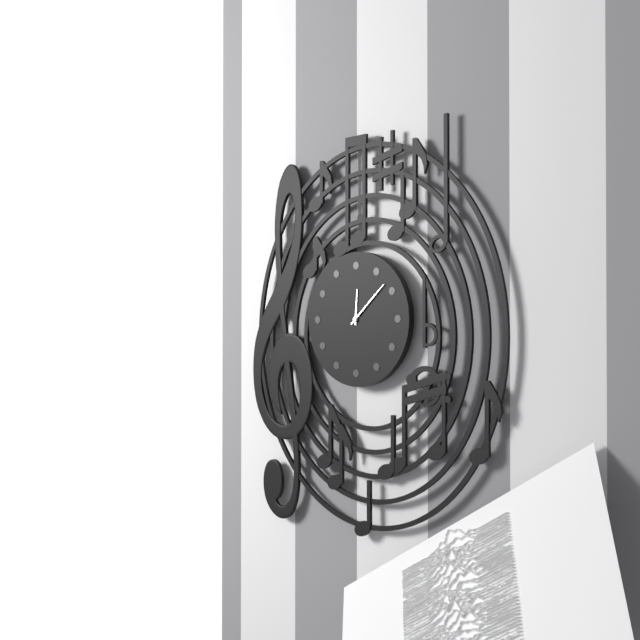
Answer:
12,08
